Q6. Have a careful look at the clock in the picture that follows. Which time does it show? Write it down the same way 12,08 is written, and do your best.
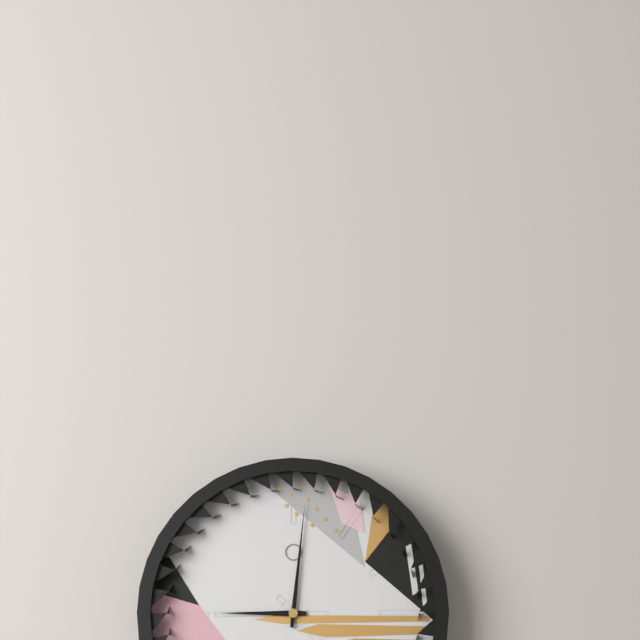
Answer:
9,01
